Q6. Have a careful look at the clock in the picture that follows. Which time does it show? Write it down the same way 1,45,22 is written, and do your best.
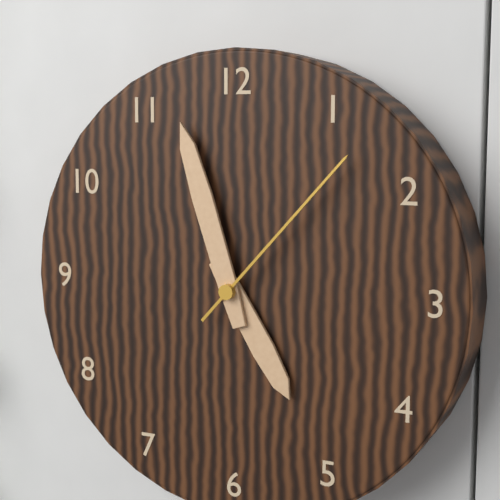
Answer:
4,57,07
